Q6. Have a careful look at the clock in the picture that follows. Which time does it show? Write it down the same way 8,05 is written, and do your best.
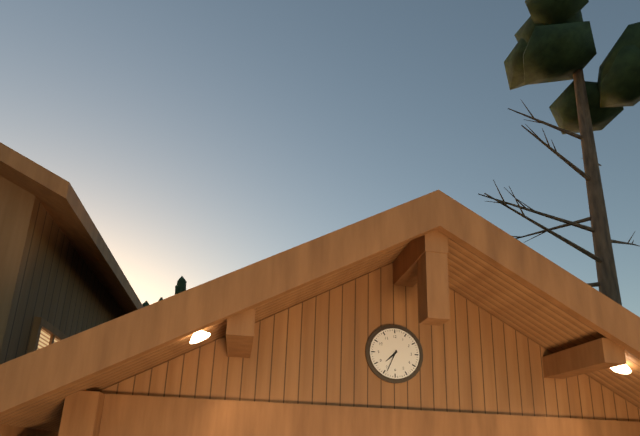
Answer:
7,34
